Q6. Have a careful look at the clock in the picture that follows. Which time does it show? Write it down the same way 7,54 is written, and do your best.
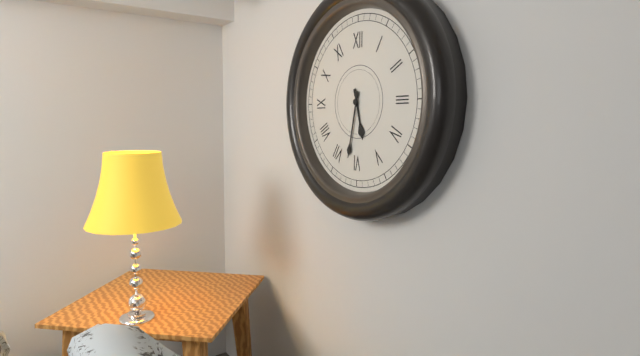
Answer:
5,32
